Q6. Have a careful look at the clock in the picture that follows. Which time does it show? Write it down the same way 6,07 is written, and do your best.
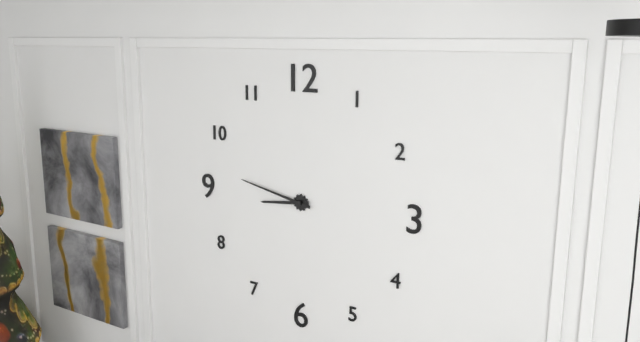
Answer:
8,47
